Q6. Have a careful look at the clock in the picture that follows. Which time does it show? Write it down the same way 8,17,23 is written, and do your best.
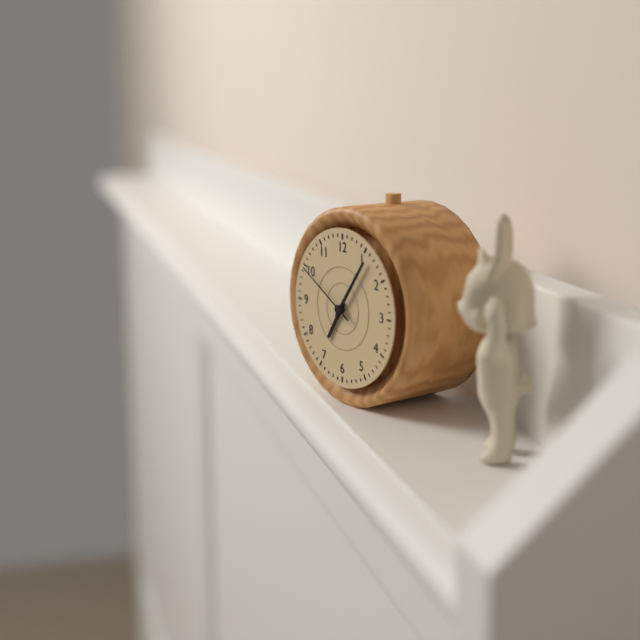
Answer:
7,06,50
